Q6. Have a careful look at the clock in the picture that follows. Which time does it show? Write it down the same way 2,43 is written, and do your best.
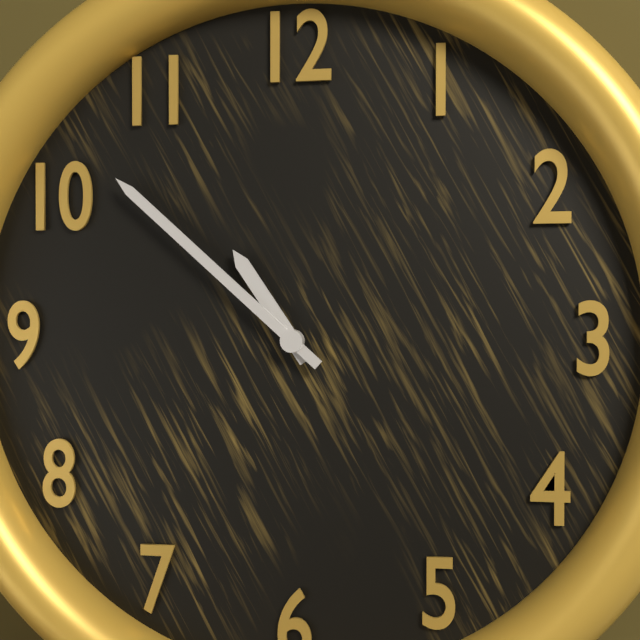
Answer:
10,52
